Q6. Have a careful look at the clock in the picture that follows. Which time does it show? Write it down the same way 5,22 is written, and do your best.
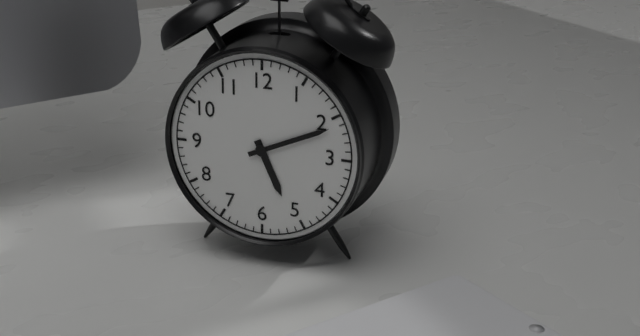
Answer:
5,11
